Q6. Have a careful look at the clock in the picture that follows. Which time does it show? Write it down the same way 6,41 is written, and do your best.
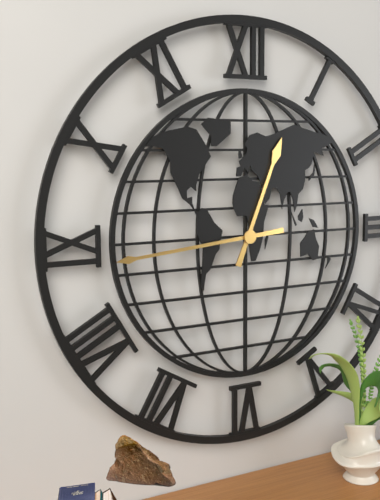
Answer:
12,44
